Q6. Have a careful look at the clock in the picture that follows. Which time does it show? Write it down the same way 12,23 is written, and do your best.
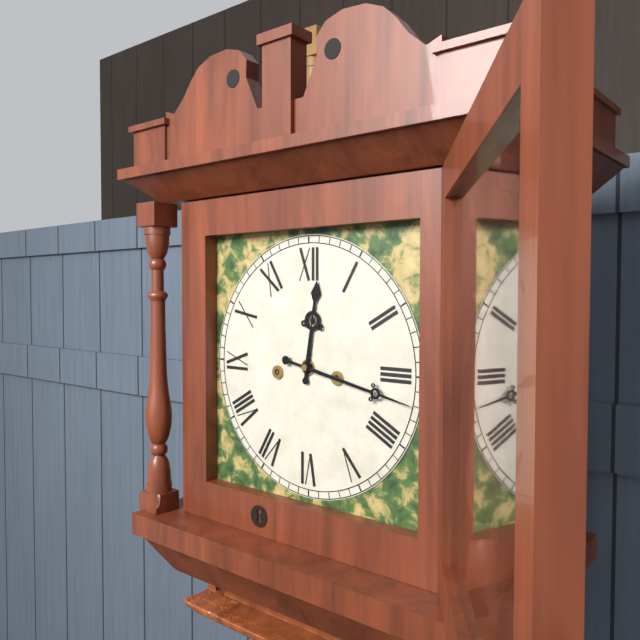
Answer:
12,17
